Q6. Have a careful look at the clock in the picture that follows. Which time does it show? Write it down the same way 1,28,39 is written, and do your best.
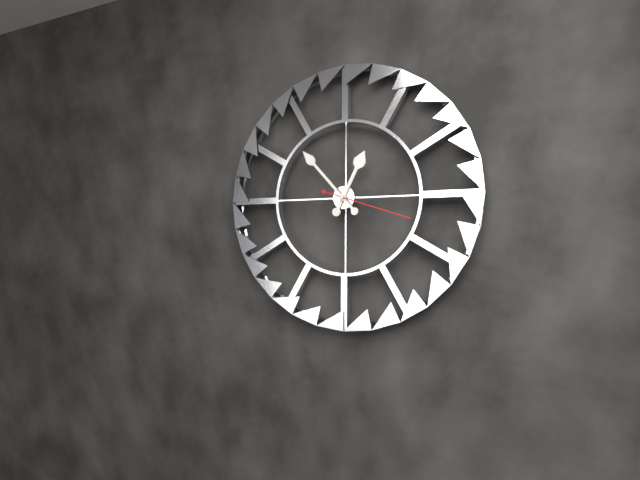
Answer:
12,53,18
